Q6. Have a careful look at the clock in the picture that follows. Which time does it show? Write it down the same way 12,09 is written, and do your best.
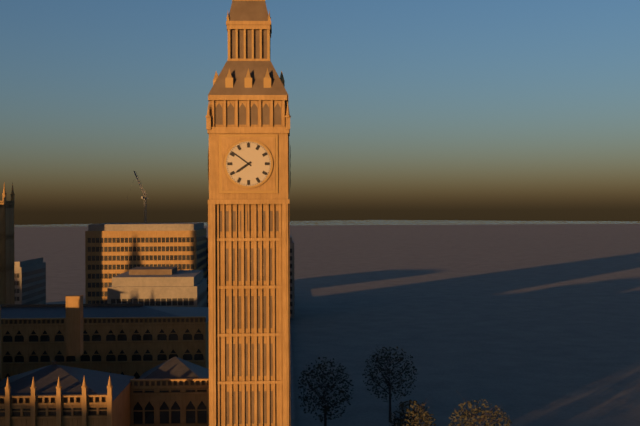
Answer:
7,51
